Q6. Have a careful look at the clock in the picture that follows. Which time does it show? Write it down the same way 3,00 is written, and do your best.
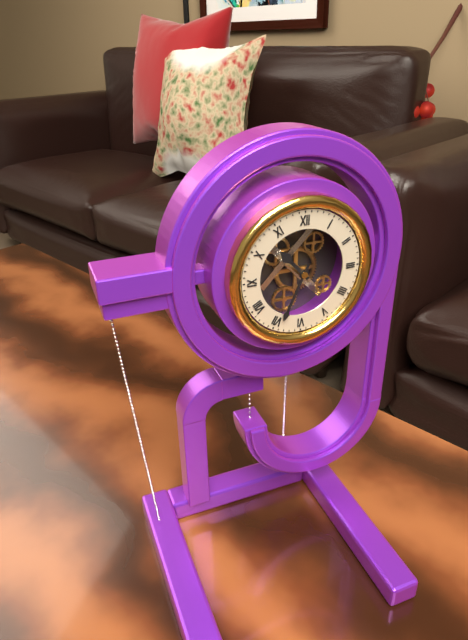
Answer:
10,34
